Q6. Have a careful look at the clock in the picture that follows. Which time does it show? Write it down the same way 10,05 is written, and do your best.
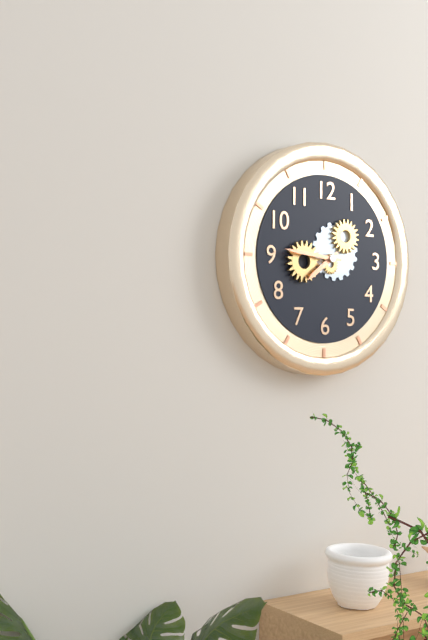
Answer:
7,46
